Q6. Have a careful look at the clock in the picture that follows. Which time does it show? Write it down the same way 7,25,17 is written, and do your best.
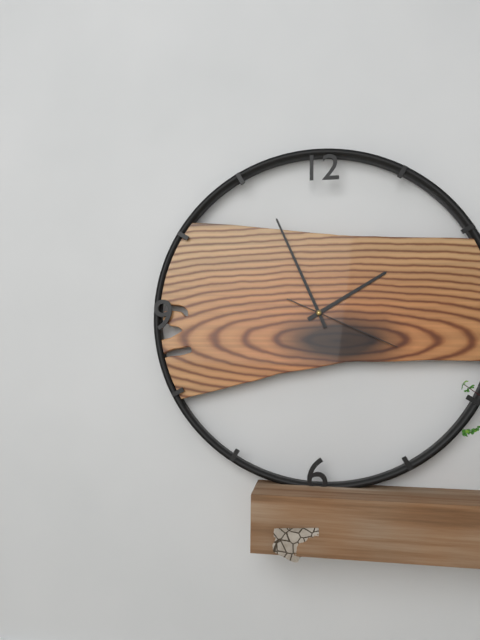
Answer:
1,56,19
